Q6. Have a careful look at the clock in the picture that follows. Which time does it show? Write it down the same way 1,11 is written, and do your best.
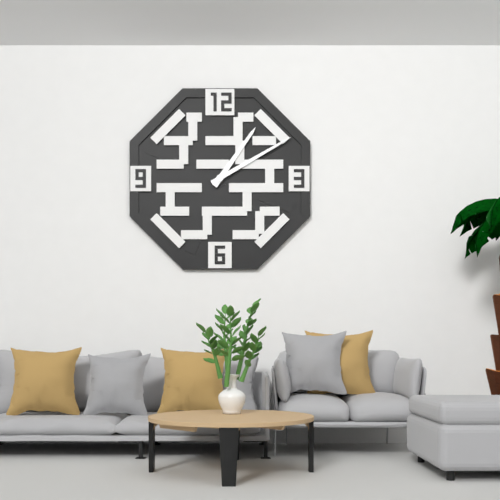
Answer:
1,10
